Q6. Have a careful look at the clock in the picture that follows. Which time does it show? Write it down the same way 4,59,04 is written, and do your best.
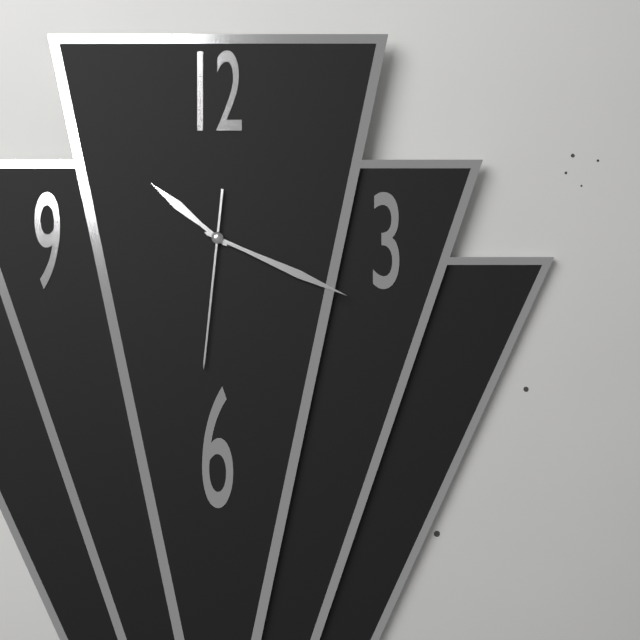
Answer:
10,19,31
